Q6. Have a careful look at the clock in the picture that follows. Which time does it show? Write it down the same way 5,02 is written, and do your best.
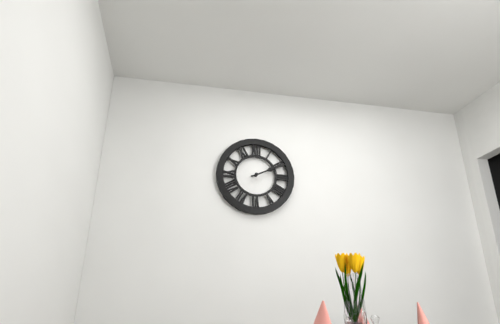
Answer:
2,11
